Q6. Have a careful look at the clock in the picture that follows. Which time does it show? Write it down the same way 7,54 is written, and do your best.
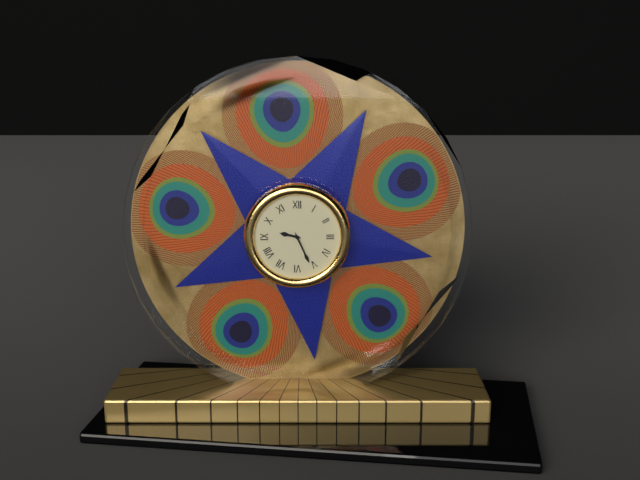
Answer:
9,26
